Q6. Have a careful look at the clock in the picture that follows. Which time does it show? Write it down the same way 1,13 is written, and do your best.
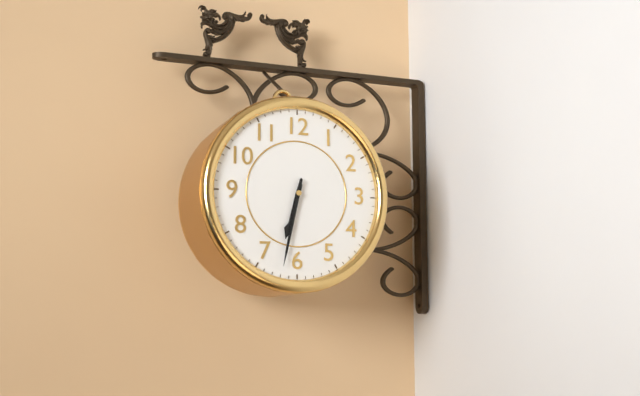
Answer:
6,32
